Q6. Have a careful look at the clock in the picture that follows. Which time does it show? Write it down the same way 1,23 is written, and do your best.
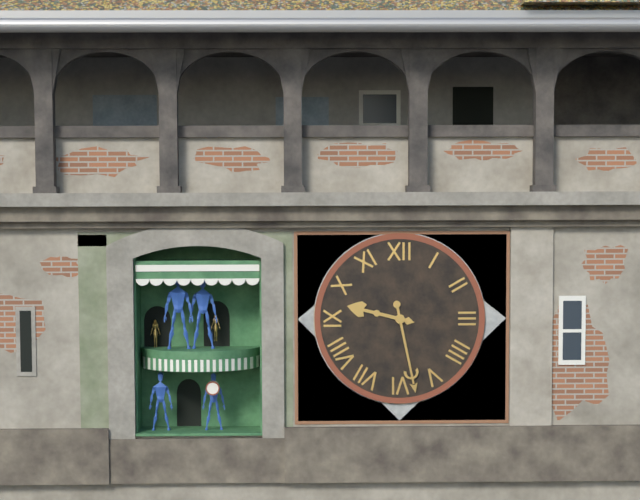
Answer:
9,28
